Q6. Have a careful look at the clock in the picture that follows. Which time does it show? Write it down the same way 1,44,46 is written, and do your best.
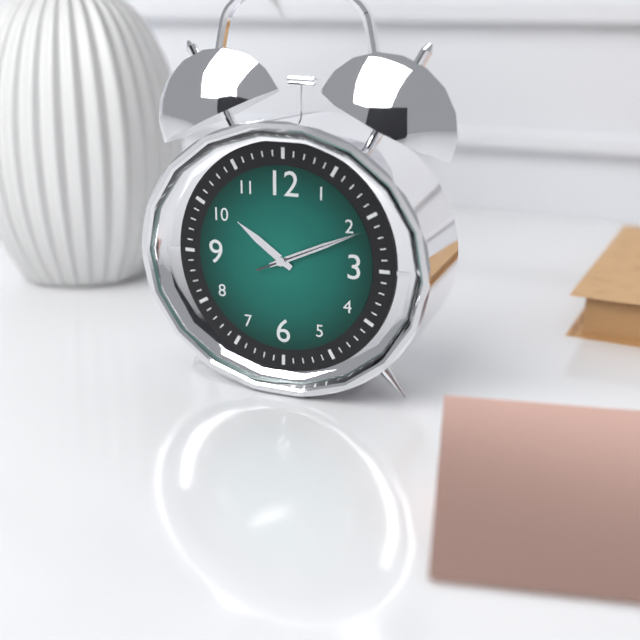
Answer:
10,11,11
